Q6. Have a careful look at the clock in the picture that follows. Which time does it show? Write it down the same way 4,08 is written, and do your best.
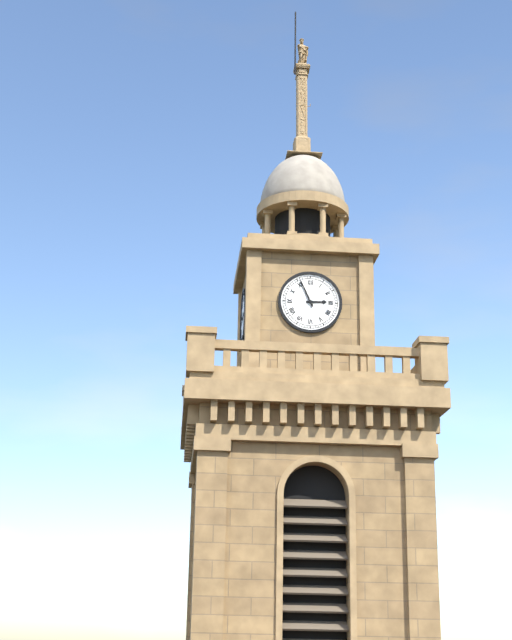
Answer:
2,56
